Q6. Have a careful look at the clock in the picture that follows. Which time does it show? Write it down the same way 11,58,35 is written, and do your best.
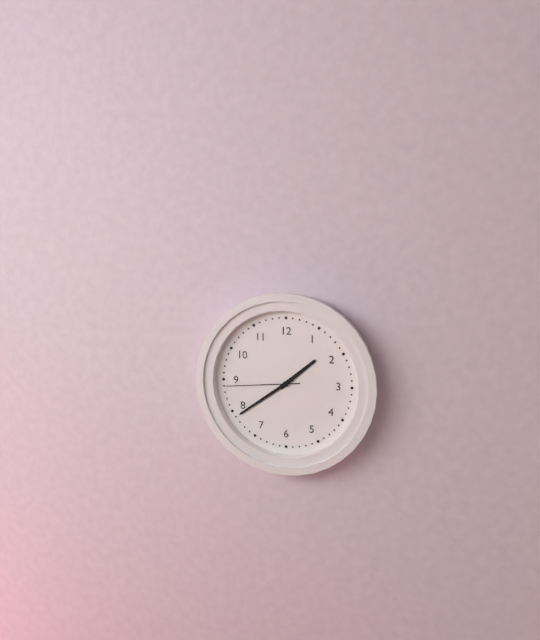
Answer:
1,39,44
